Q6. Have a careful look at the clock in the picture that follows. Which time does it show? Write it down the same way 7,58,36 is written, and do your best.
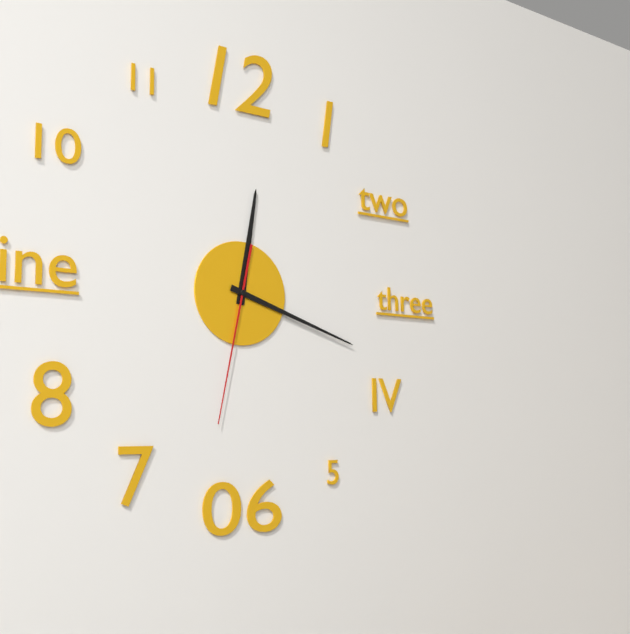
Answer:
12,18,32
